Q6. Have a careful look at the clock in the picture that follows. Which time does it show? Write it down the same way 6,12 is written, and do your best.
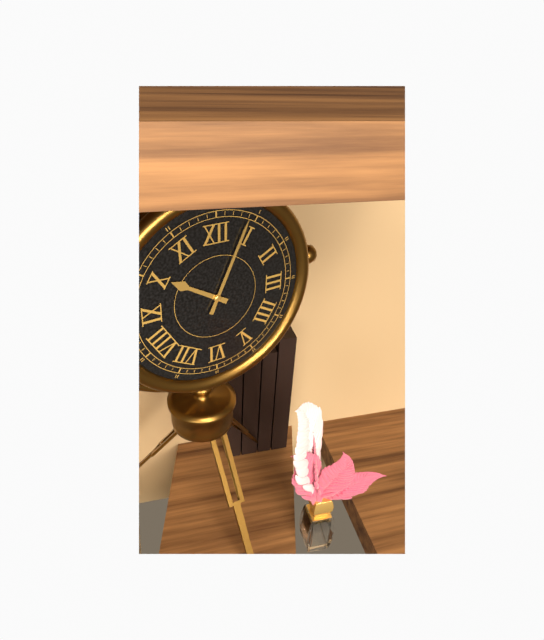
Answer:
10,04
